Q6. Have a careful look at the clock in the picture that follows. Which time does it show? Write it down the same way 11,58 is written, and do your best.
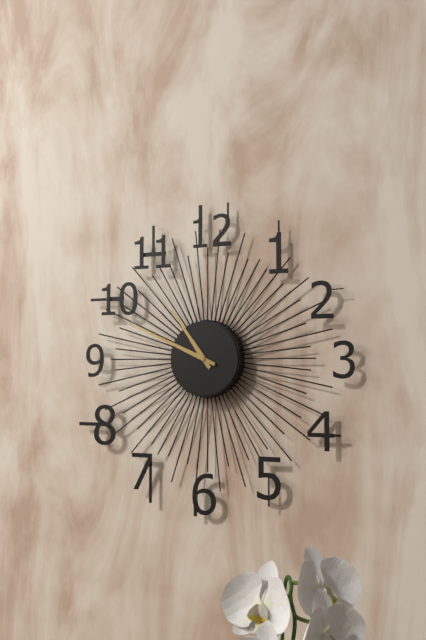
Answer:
10,49
